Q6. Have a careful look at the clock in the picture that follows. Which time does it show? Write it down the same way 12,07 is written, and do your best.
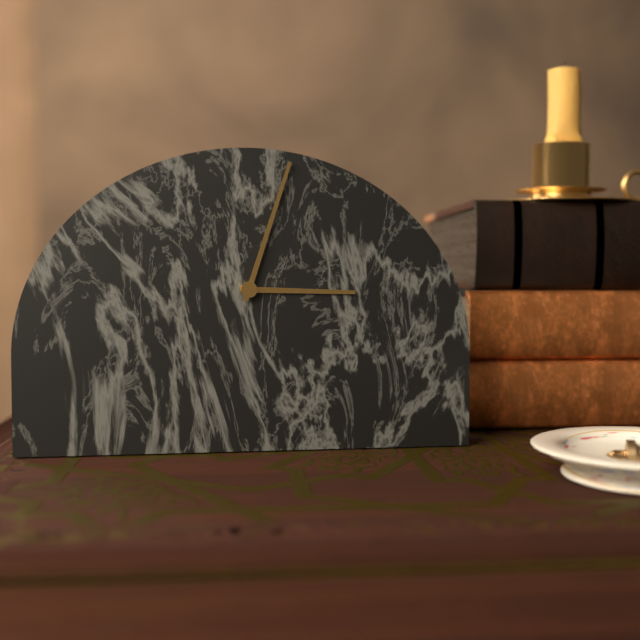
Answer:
3,03
